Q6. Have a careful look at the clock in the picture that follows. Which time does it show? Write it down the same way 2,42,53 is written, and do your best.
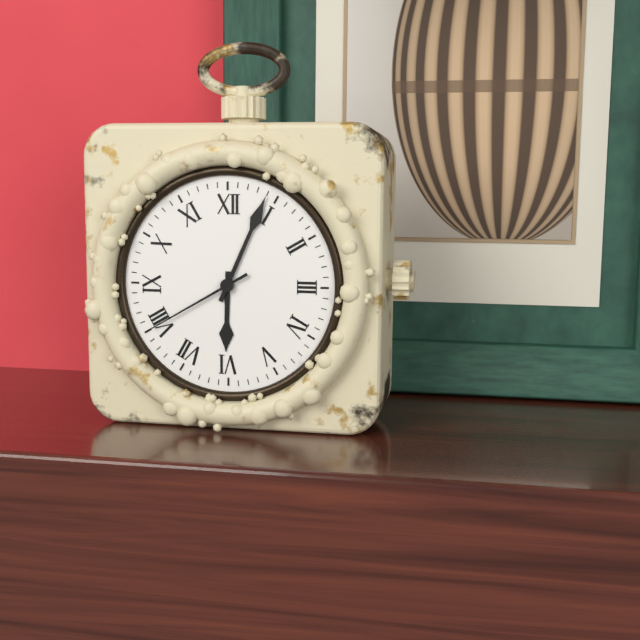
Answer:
6,04,40
